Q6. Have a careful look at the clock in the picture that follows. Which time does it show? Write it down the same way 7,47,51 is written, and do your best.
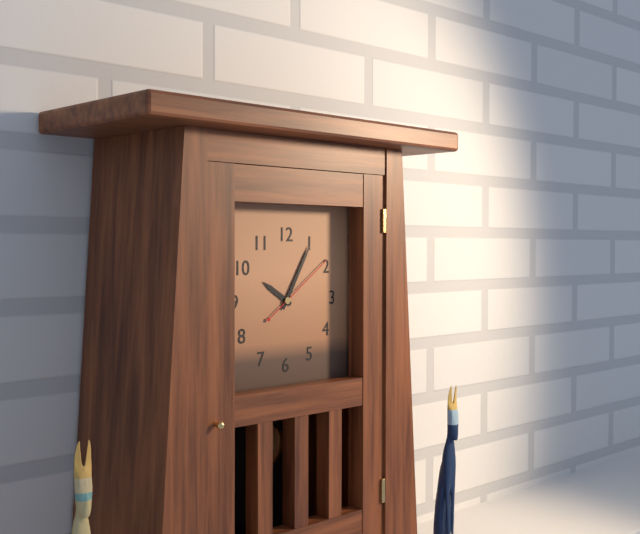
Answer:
10,05,09
